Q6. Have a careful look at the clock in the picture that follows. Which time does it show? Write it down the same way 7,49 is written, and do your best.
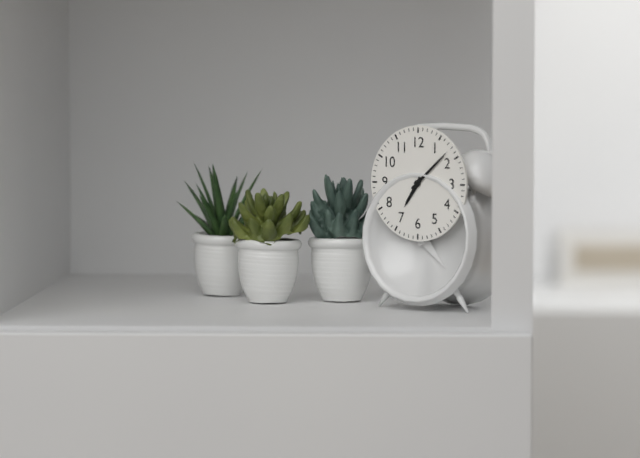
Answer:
7,08
